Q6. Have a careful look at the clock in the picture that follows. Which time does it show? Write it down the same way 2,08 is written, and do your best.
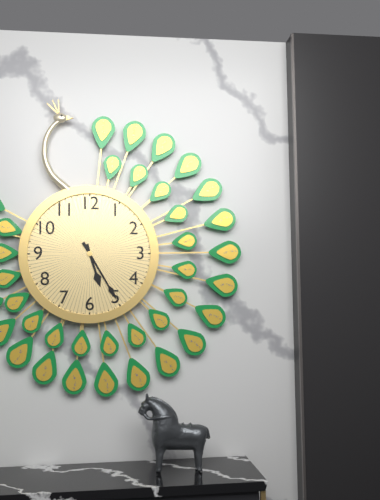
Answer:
5,25
